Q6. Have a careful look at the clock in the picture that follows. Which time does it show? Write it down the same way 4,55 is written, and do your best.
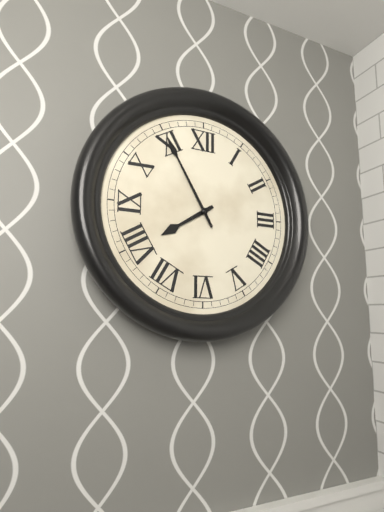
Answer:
7,55
